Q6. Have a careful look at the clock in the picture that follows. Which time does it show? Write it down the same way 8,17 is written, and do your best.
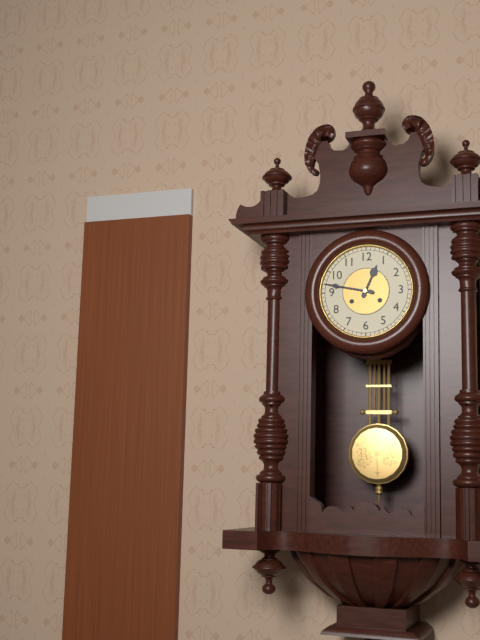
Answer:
12,47
